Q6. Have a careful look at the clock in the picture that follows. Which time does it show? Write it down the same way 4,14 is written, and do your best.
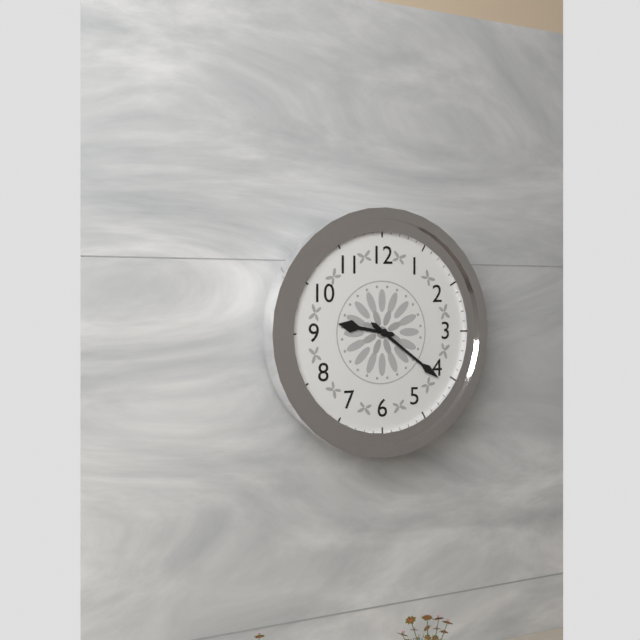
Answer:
9,21
